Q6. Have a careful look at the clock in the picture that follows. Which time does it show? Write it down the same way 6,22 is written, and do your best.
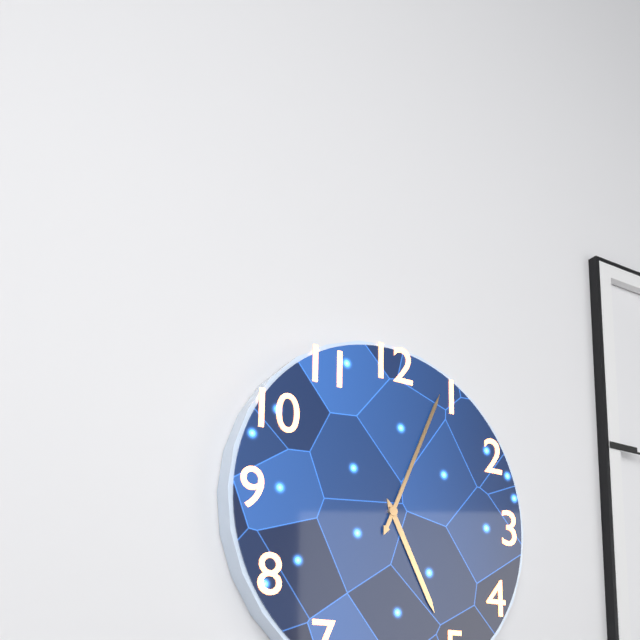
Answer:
5,04
